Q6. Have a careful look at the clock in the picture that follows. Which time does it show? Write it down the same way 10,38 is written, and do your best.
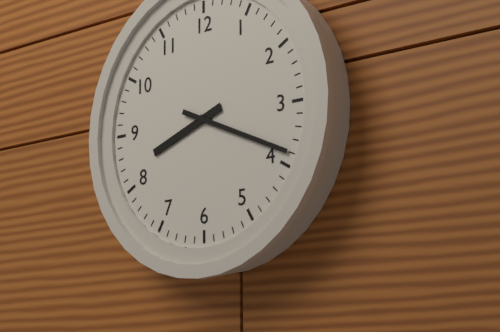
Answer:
8,19
